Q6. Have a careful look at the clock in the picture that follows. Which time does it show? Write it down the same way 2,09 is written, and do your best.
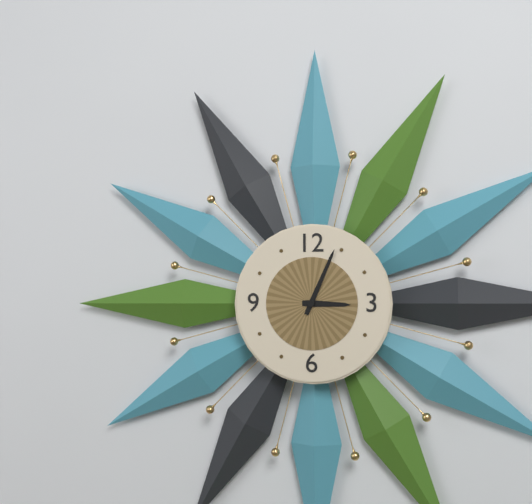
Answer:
3,04
